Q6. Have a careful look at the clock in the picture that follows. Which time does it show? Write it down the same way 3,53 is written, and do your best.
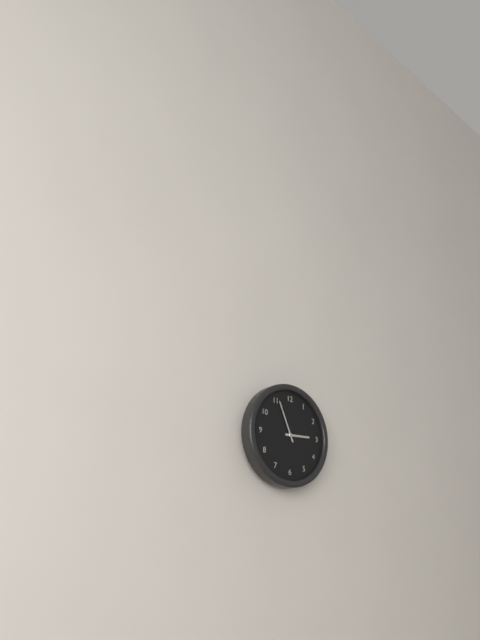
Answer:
2,56
